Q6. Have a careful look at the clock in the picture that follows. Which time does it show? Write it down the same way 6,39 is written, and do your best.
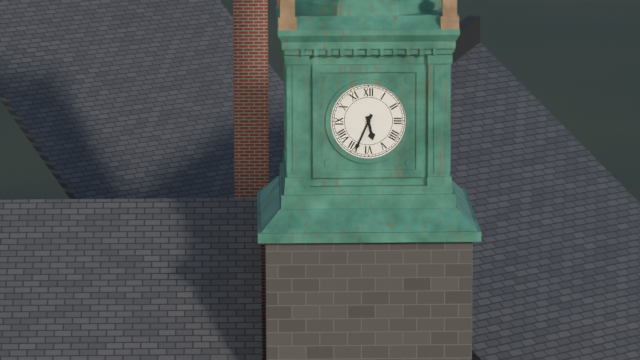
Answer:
5,34
